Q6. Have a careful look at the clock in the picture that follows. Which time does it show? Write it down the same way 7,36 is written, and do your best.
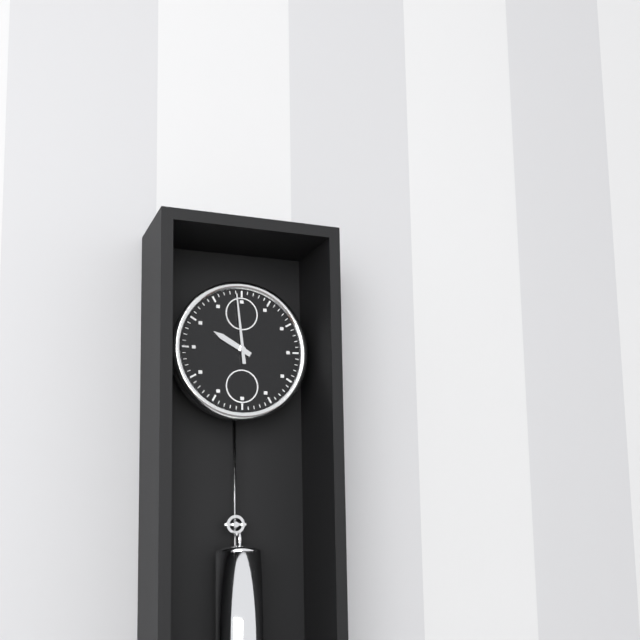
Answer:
9,59
